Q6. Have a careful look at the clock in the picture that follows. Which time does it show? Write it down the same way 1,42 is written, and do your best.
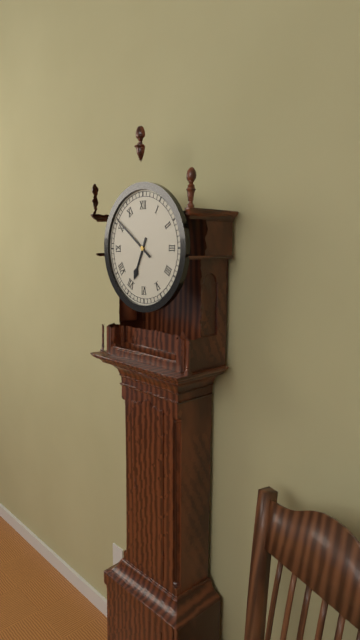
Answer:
6,51
